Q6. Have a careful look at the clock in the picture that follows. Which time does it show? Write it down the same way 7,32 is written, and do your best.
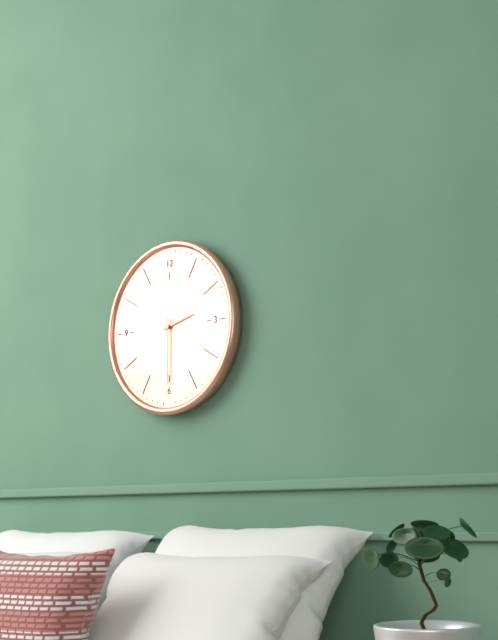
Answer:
2,30
